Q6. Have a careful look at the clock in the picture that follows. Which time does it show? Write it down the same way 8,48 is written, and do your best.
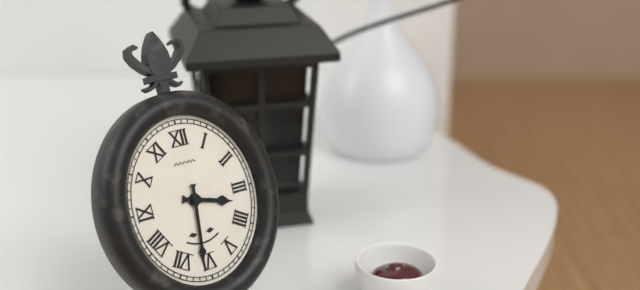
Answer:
3,31
